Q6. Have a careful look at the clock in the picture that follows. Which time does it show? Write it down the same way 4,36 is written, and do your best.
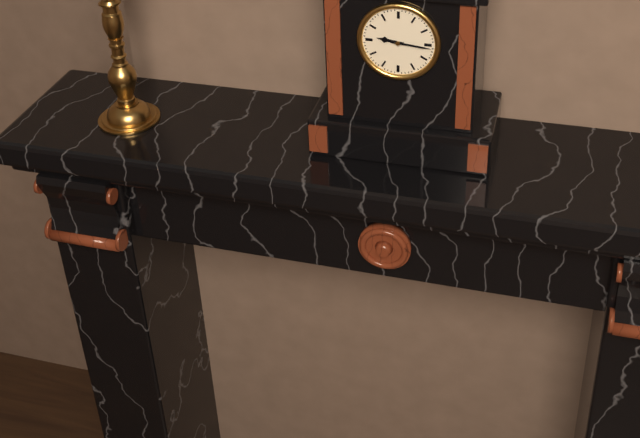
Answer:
9,16
